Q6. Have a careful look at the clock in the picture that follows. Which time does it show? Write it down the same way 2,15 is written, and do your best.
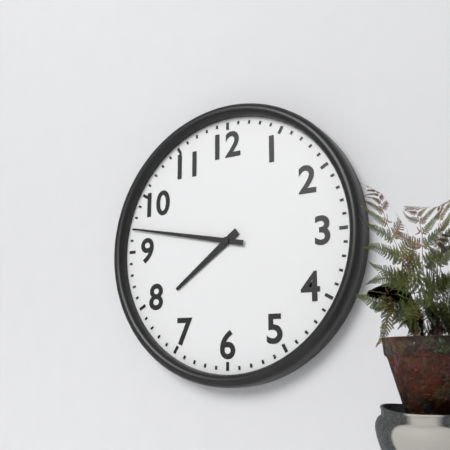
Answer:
7,47
